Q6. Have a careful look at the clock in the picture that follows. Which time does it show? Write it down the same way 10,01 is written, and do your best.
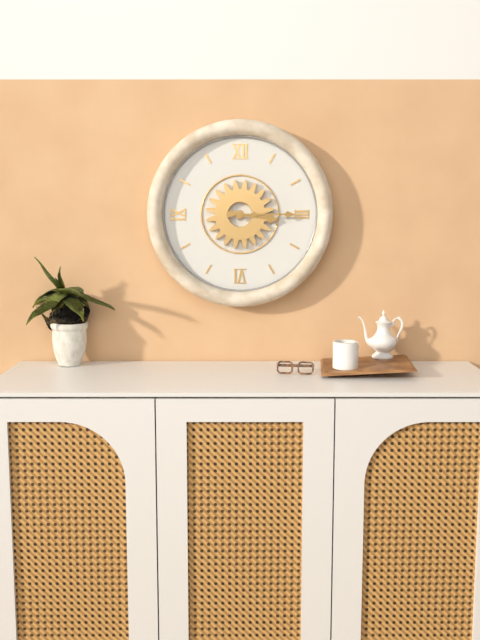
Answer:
3,15
